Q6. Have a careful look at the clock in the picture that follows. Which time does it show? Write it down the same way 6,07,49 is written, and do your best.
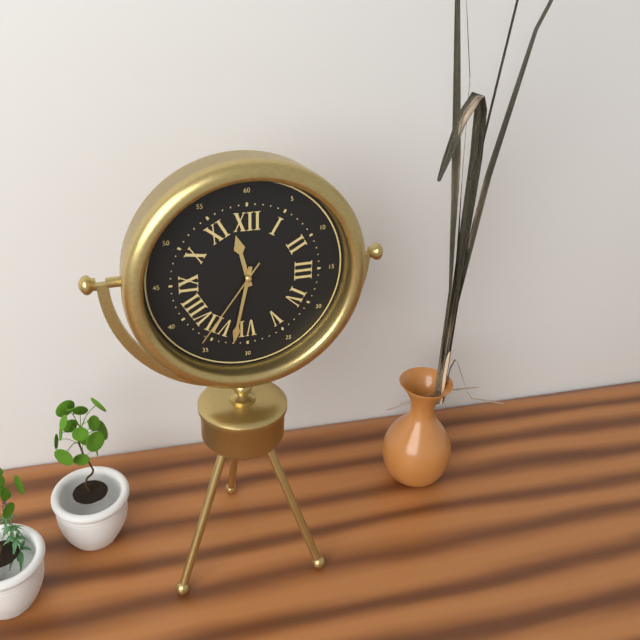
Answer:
11,32,36
